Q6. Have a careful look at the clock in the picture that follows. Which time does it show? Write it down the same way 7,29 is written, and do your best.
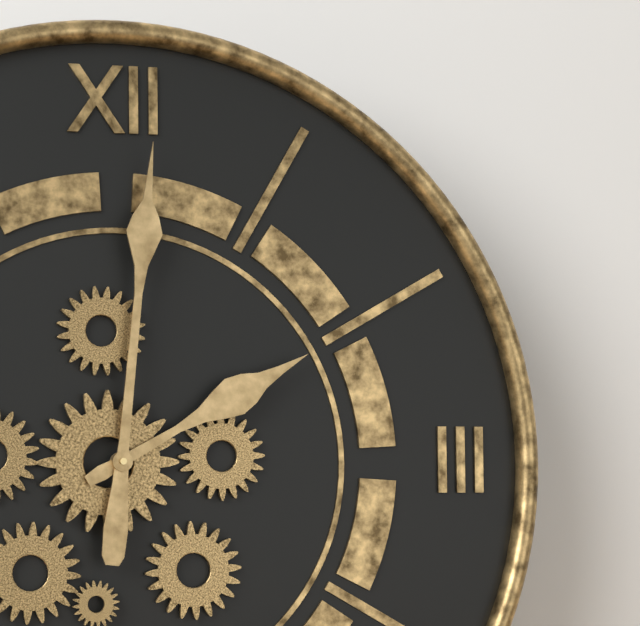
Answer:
2,01
